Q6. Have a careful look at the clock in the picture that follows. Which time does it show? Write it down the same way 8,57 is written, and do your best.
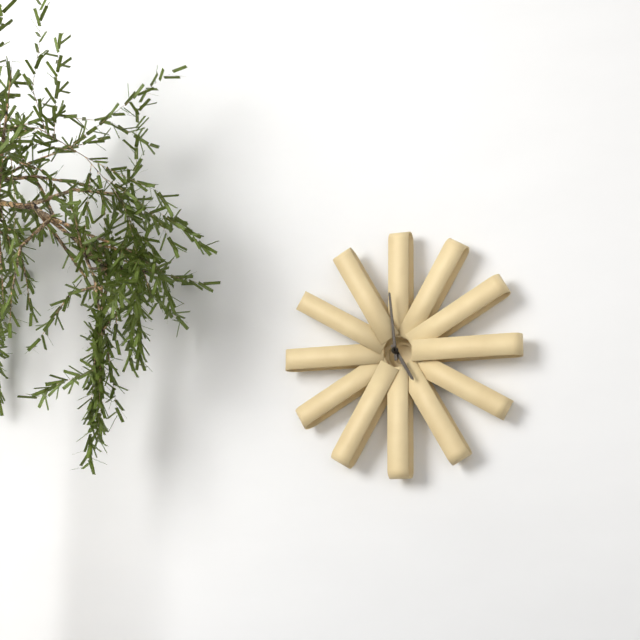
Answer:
4,59
